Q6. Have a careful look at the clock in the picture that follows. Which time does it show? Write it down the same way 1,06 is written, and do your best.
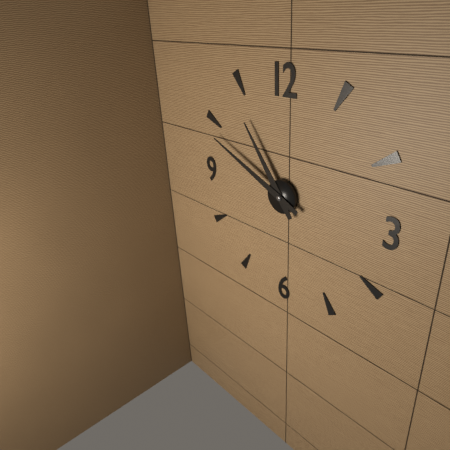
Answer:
10,49
